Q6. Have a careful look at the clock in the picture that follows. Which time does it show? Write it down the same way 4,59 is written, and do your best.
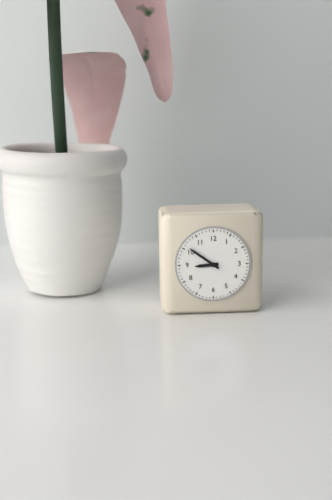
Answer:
8,51
